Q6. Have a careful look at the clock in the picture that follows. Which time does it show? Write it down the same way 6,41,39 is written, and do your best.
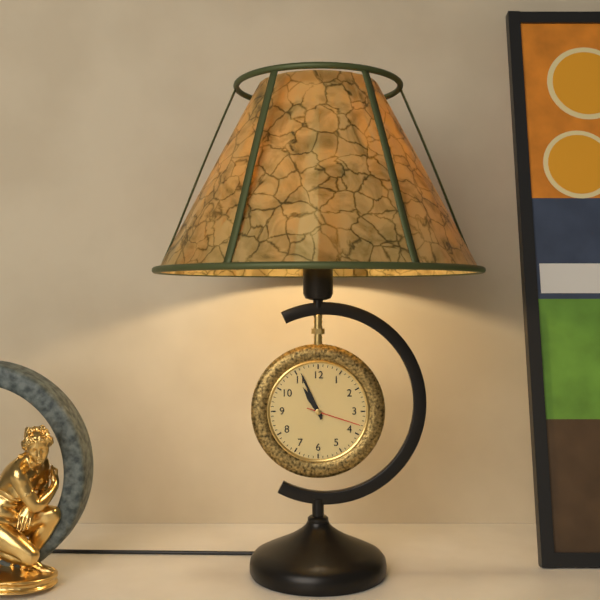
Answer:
10,56,18
